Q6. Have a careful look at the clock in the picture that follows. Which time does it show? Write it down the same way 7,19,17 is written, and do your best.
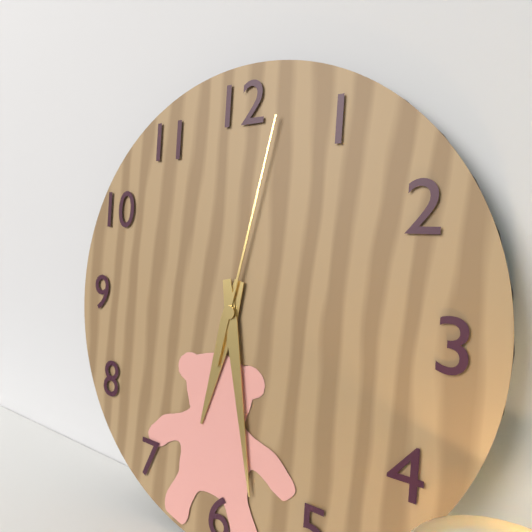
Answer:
6,28,02
